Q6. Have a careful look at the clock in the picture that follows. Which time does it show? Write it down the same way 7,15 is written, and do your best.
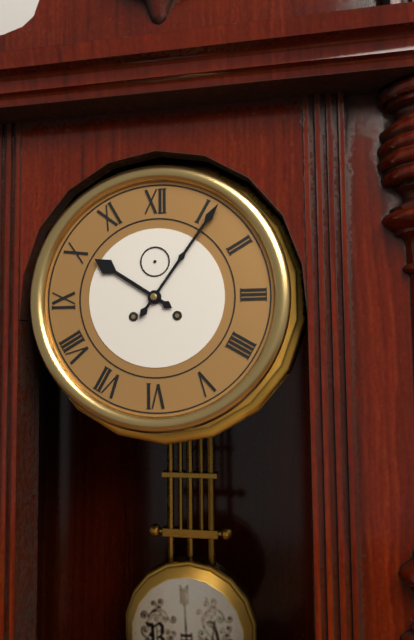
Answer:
10,06
